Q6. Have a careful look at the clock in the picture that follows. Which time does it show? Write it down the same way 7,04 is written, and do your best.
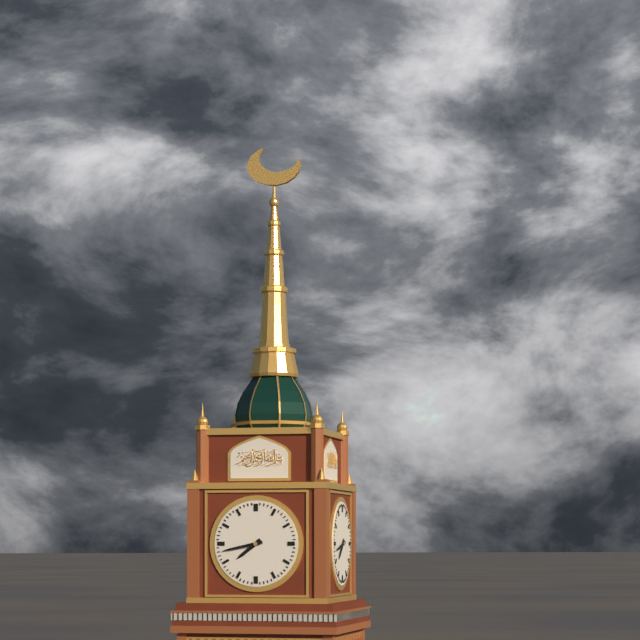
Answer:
7,43
